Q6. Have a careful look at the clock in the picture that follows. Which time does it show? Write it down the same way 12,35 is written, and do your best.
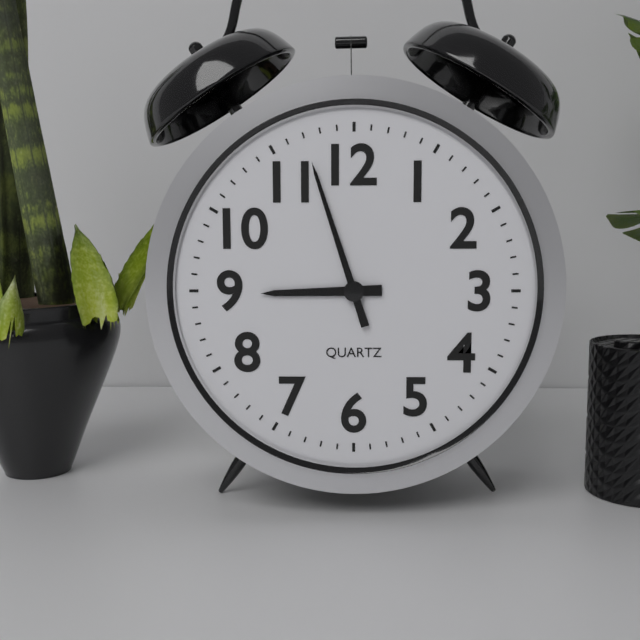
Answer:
8,57
